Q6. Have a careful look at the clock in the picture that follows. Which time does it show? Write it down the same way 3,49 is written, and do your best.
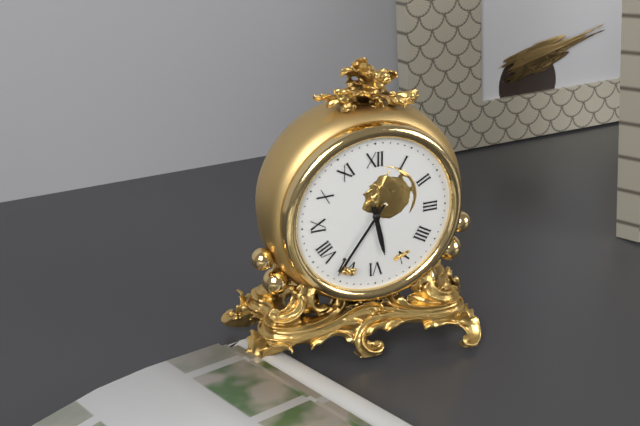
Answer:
5,36
